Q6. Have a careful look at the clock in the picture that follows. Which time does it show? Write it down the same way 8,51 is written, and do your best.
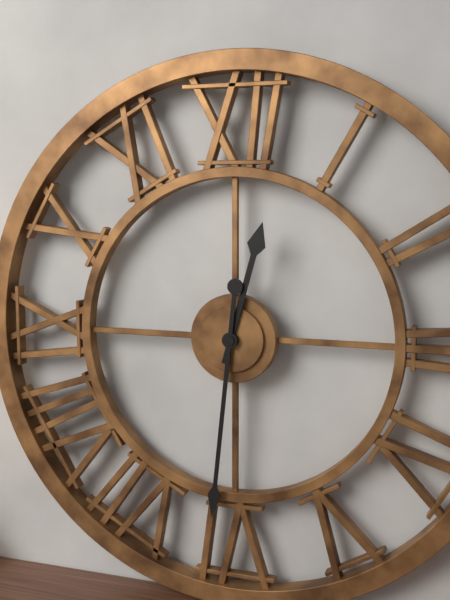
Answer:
12,31
